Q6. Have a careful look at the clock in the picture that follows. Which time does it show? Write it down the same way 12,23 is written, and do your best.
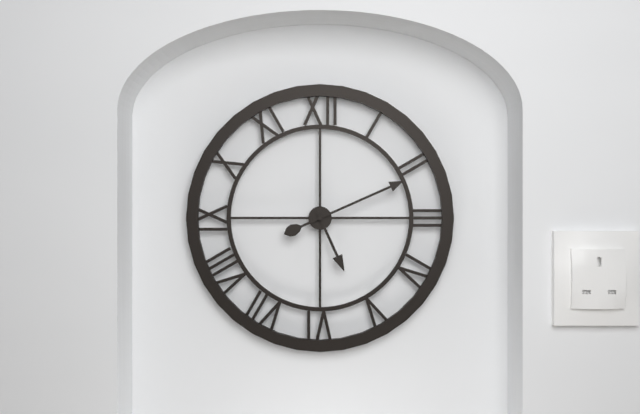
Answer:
5,11
